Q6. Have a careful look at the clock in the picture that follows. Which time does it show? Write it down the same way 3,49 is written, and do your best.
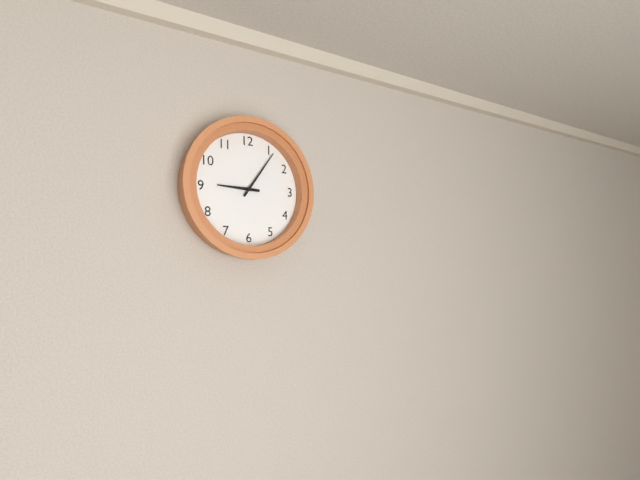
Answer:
9,06
